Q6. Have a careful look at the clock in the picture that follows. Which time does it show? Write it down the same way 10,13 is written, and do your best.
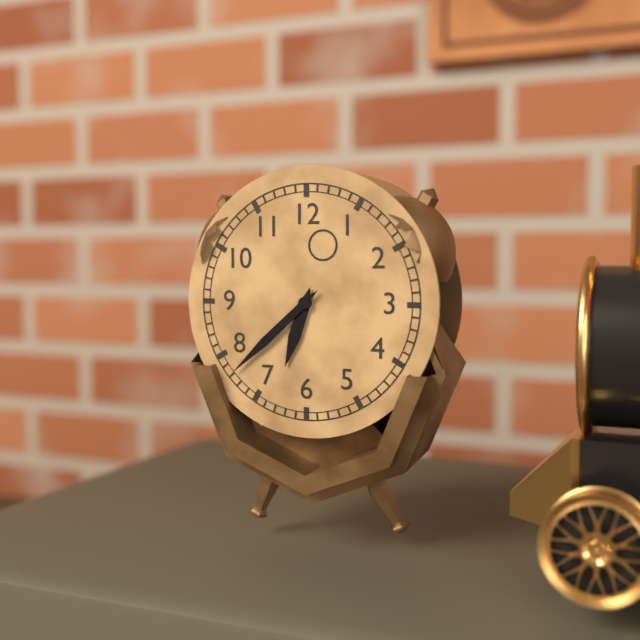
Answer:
6,38
